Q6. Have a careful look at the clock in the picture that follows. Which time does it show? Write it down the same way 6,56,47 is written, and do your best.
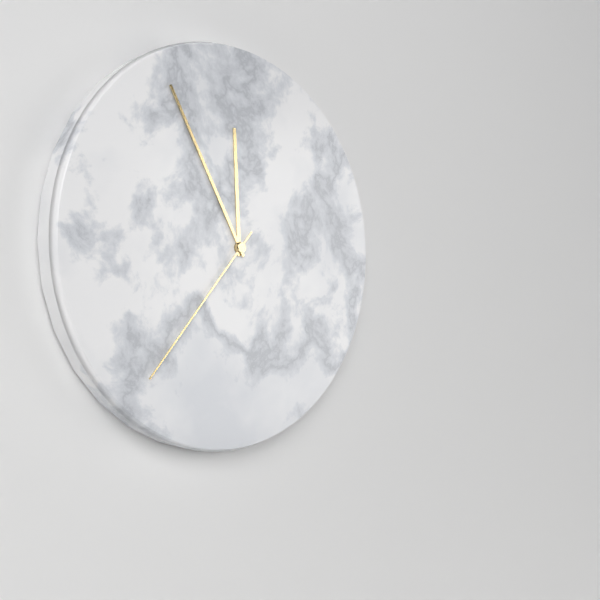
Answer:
11,55,37
